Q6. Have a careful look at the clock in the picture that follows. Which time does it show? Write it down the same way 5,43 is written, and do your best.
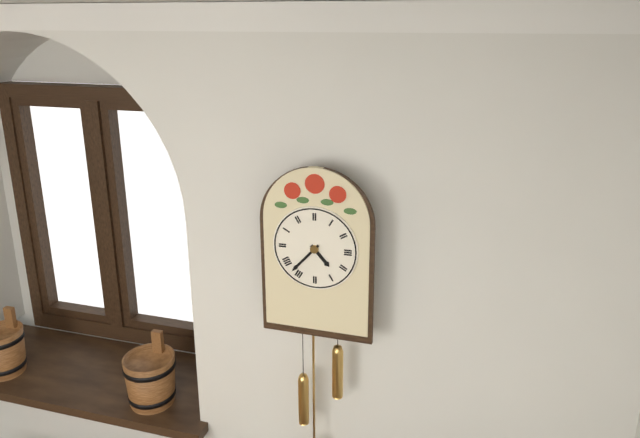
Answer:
4,37
